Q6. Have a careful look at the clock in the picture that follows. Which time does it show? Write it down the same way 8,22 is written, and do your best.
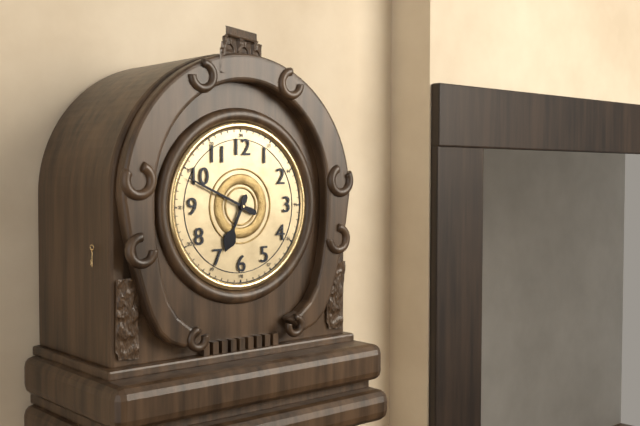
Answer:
6,49
